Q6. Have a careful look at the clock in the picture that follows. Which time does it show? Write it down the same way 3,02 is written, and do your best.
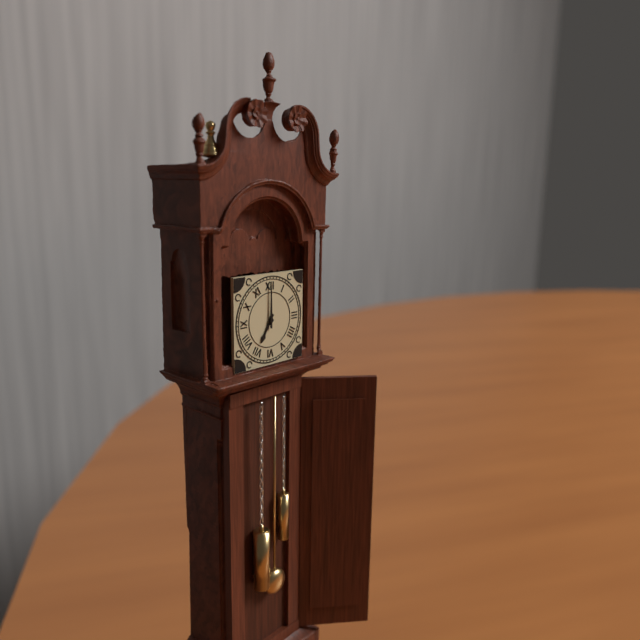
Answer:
7,00
